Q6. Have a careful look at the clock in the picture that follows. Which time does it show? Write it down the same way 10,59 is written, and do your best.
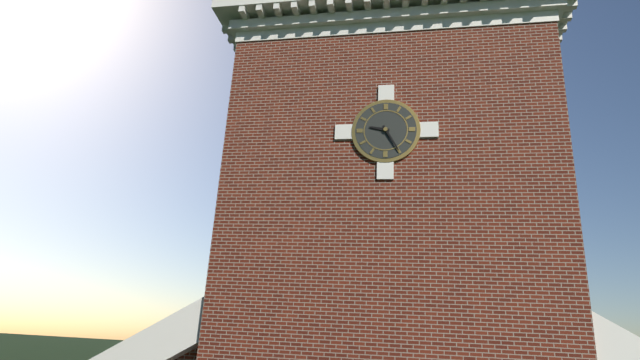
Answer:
9,25
